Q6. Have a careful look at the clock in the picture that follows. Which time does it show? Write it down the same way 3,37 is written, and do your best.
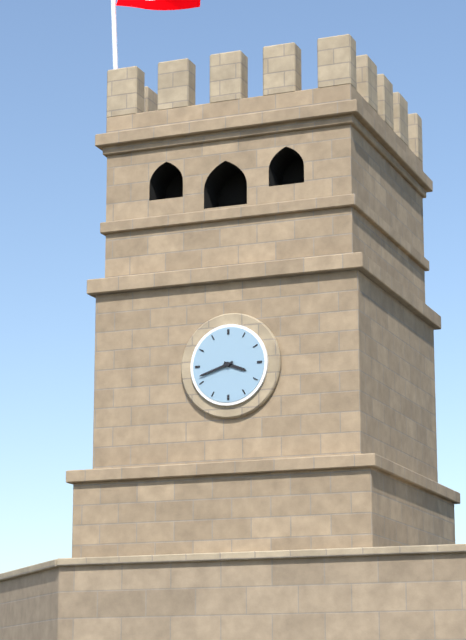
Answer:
3,42
